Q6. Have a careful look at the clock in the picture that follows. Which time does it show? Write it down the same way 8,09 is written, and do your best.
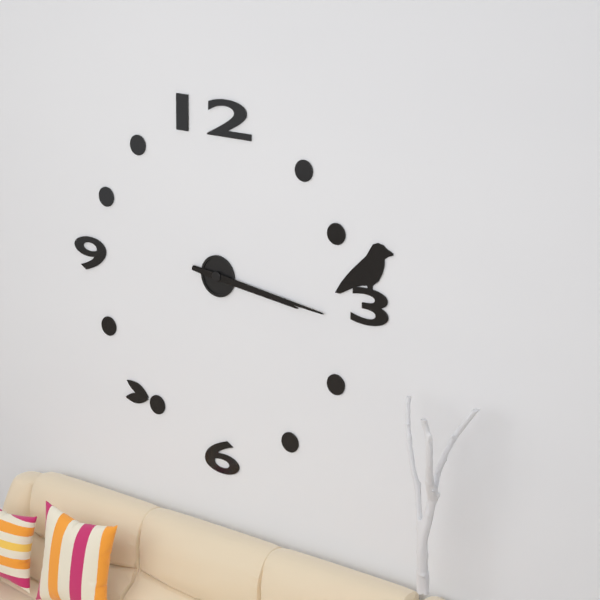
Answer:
3,16
